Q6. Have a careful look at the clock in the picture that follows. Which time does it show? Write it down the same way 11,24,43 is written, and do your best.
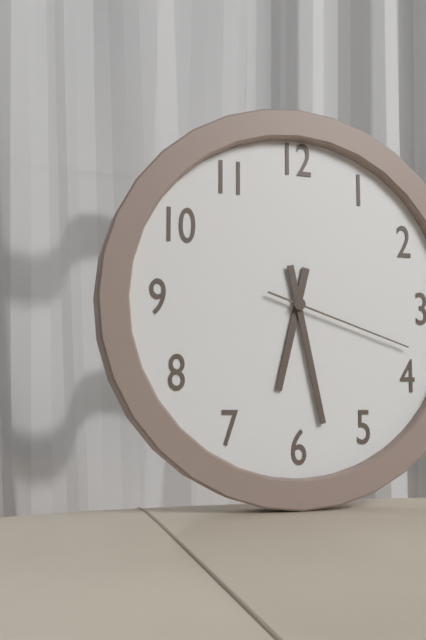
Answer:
6,28,18
